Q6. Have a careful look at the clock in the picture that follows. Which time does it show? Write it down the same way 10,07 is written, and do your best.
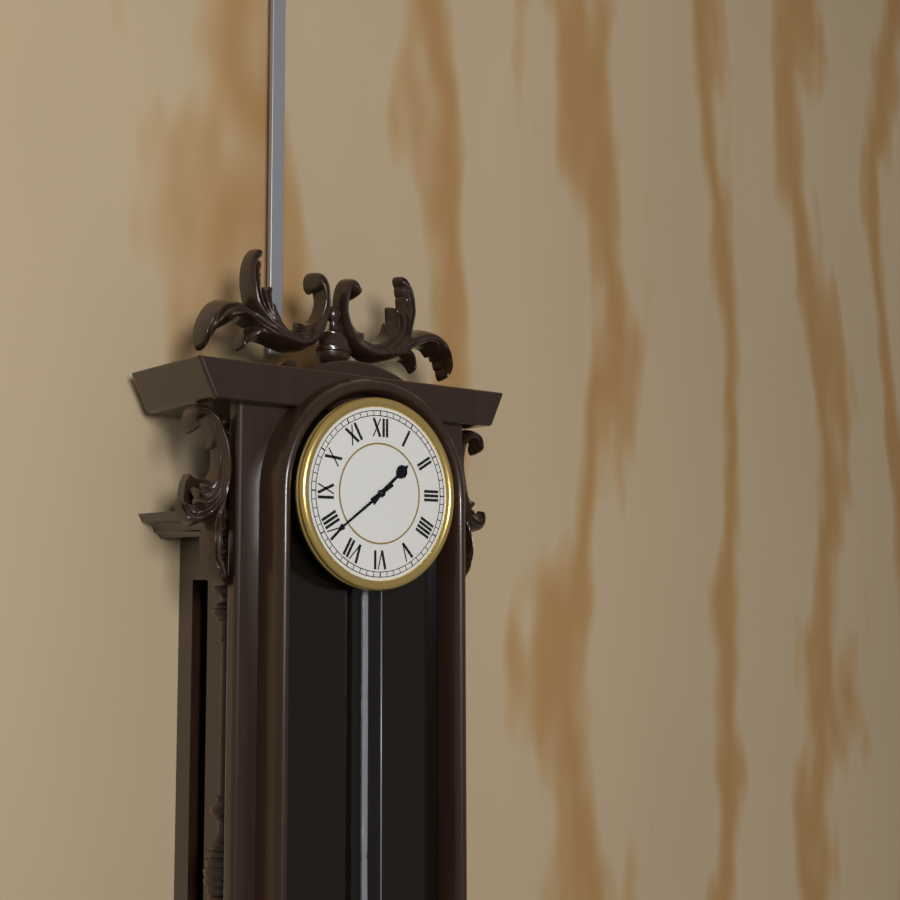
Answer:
1,39
